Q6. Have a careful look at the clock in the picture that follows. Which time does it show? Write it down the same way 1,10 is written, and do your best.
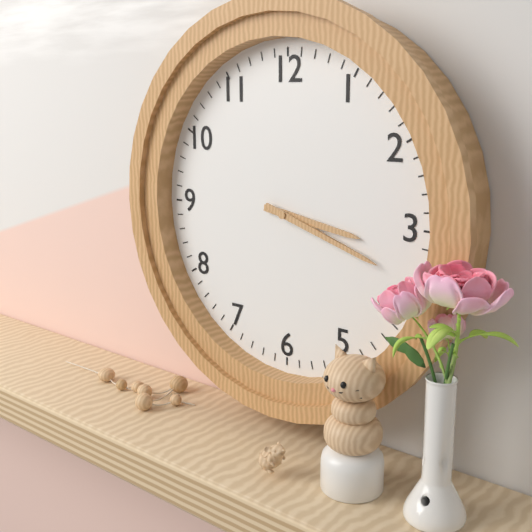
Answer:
3,18
